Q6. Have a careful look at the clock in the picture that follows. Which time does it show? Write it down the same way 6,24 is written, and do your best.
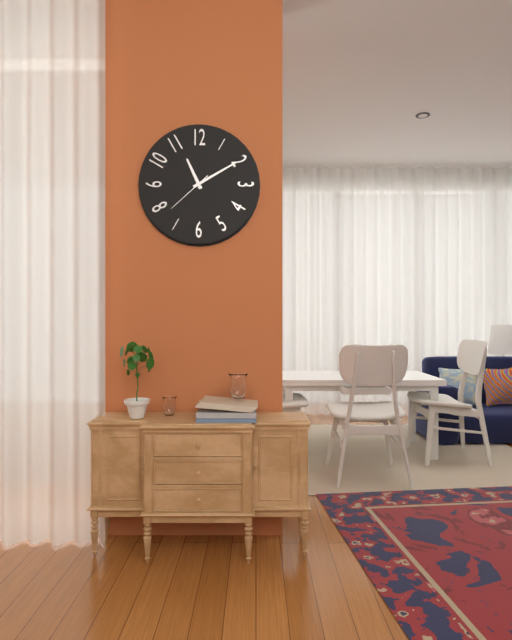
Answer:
11,10
